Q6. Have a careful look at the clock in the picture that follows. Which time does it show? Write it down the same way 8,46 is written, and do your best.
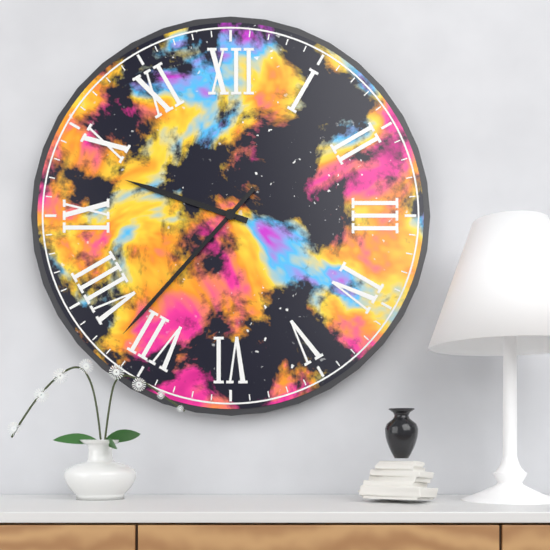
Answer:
9,37
